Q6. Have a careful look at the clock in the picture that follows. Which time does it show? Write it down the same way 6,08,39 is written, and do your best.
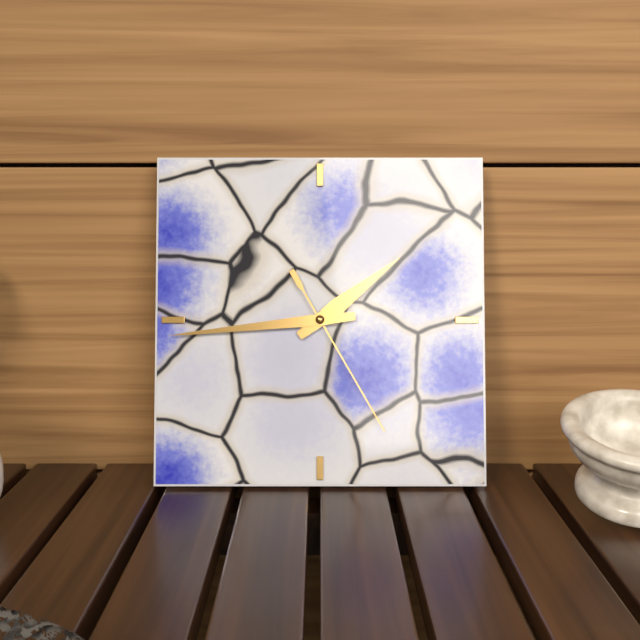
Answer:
1,44,25
